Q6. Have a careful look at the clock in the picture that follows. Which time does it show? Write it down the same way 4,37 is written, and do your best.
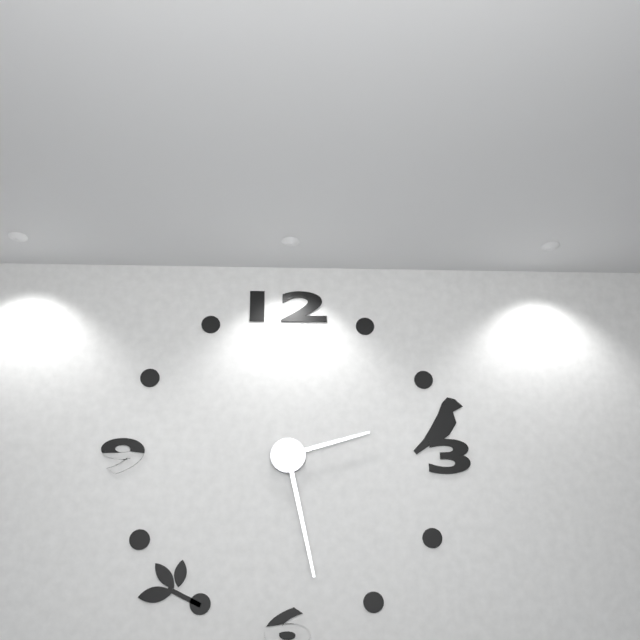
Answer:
2,28
